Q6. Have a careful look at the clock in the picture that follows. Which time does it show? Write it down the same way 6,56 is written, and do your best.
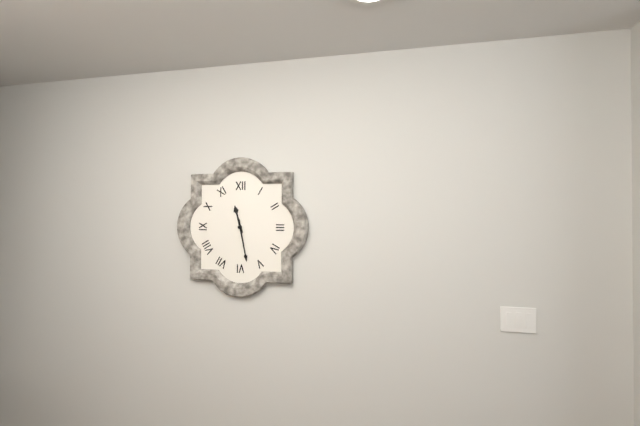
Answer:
11,28
